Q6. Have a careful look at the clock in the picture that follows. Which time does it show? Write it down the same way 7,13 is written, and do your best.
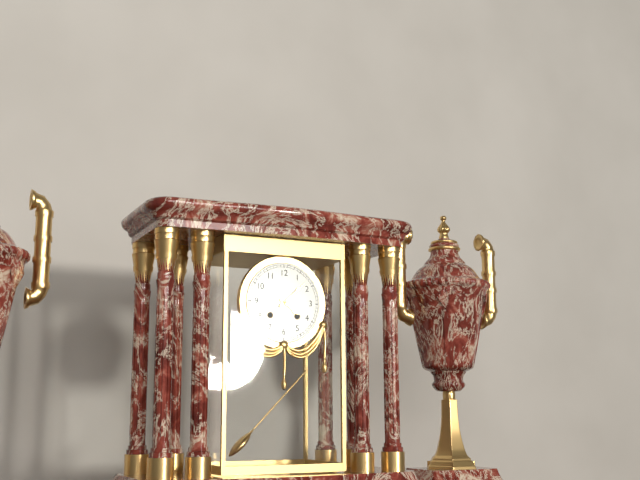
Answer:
4,08
